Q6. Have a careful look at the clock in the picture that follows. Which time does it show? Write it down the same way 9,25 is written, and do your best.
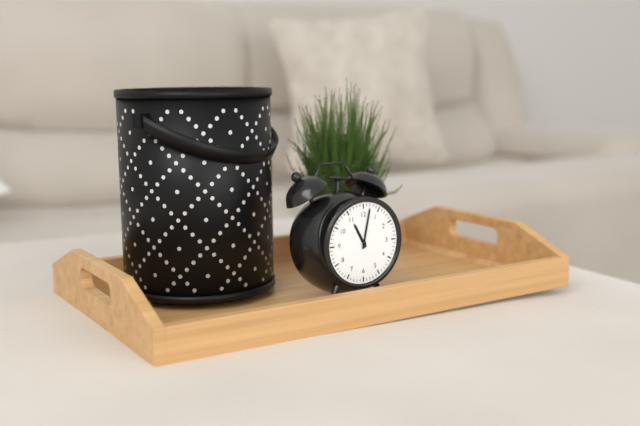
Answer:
11,02
